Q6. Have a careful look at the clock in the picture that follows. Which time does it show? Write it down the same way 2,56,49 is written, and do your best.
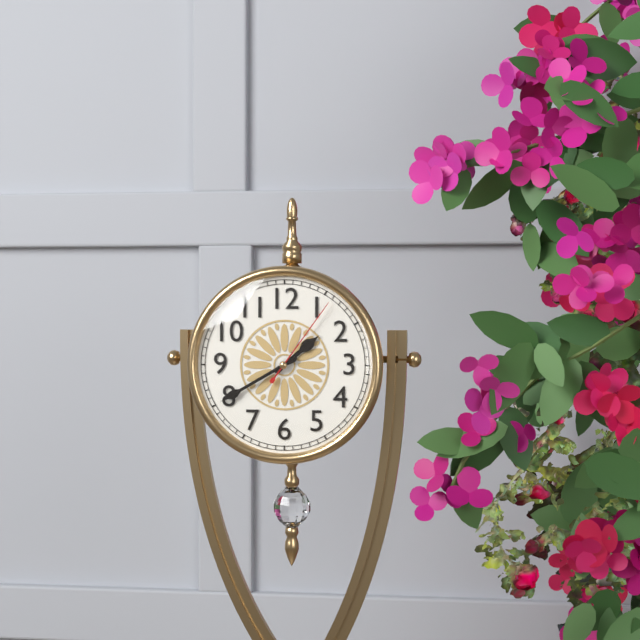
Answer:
1,40,06
